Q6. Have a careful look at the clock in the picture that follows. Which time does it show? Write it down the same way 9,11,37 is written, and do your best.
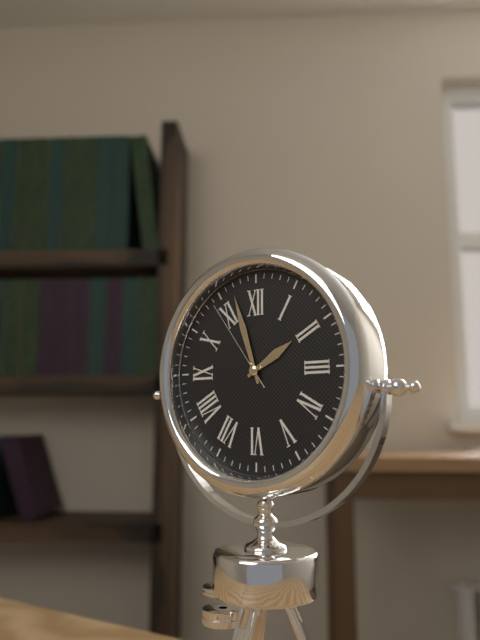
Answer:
1,57,54
